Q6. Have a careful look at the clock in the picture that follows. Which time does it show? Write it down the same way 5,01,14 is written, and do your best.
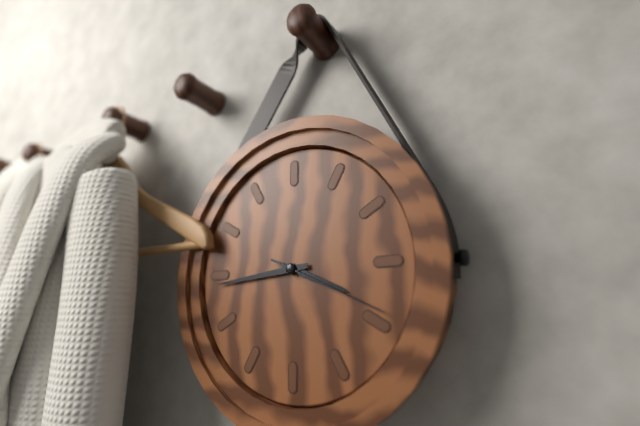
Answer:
3,44,19
